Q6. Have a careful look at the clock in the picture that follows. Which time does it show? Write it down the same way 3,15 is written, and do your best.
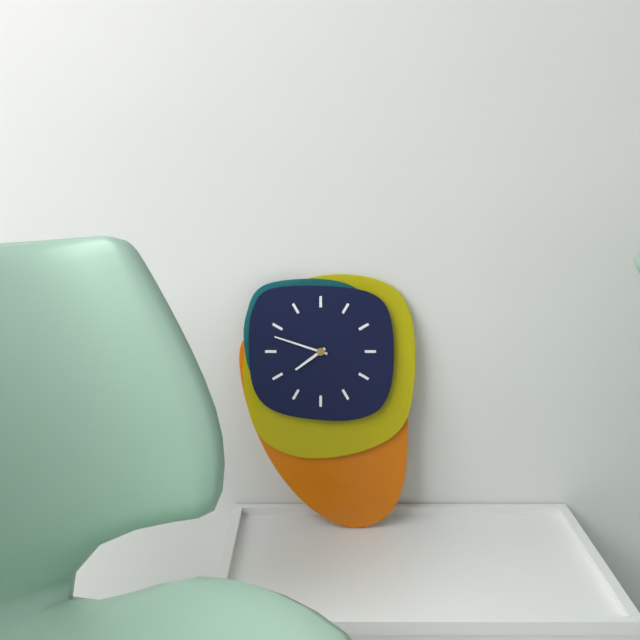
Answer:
7,48
